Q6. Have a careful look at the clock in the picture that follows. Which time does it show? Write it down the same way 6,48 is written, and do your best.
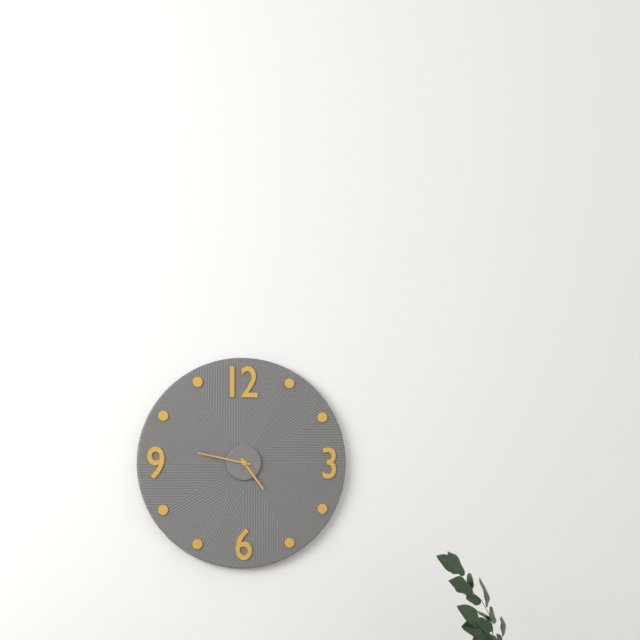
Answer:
4,47
